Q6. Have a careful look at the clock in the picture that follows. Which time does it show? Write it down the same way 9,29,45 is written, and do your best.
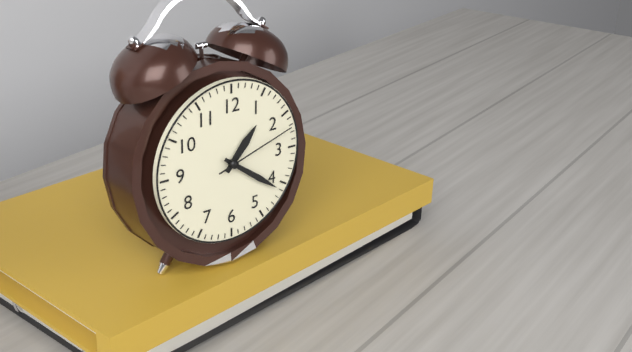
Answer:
1,21,12
